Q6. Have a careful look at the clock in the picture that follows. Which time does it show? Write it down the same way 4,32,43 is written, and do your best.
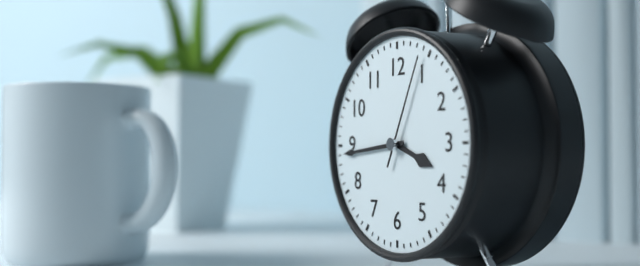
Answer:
3,44,04
